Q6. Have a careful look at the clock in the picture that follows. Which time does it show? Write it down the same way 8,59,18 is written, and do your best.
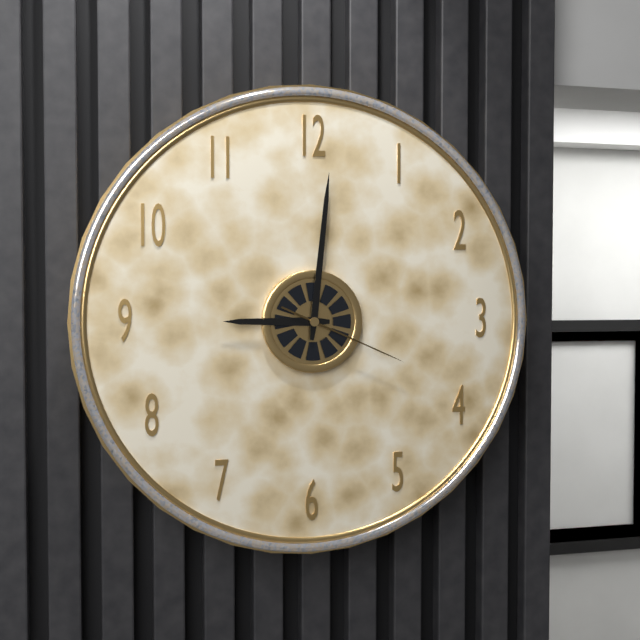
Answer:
9,01,19
